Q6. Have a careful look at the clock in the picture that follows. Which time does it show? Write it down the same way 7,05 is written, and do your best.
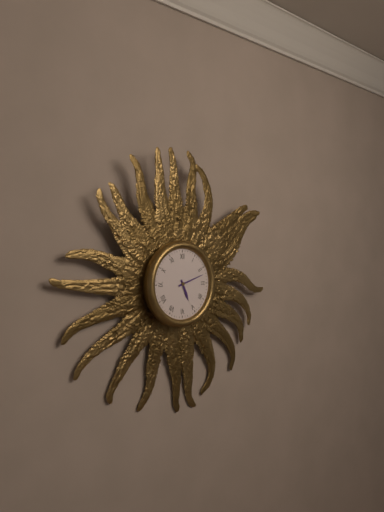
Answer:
5,12
